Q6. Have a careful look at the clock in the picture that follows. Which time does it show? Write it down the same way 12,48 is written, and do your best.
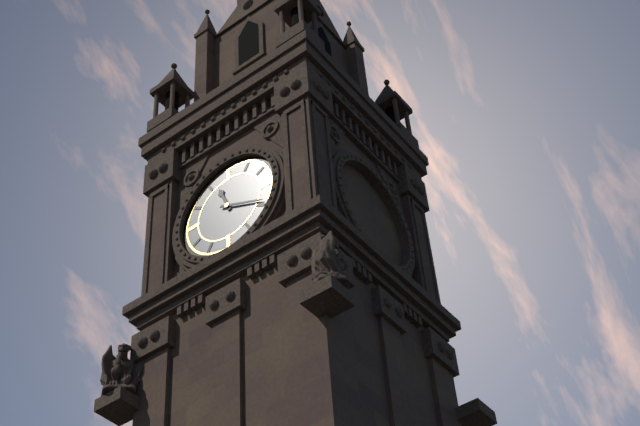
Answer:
11,19
